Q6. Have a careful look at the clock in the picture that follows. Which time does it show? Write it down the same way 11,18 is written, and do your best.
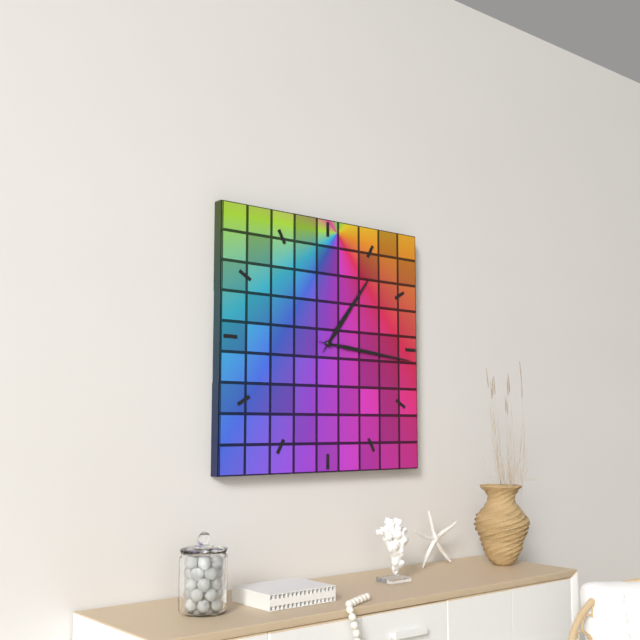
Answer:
1,16
